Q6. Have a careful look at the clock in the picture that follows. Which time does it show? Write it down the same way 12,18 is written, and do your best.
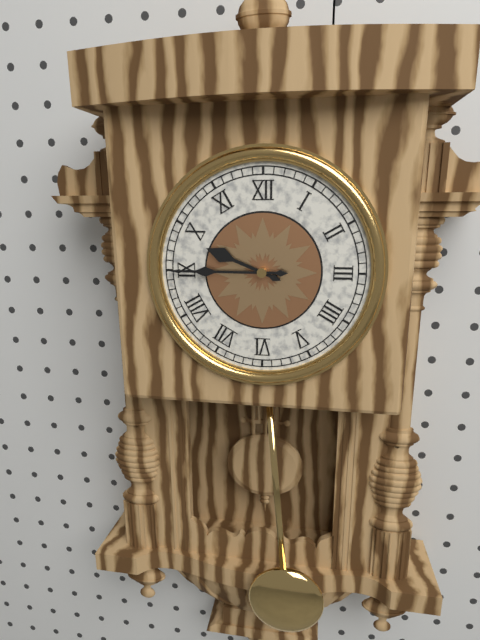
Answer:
9,45
